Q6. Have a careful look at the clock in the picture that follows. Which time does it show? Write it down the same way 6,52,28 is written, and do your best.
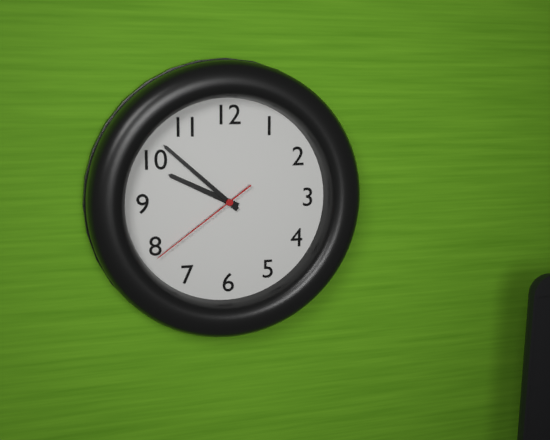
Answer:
9,52,39
